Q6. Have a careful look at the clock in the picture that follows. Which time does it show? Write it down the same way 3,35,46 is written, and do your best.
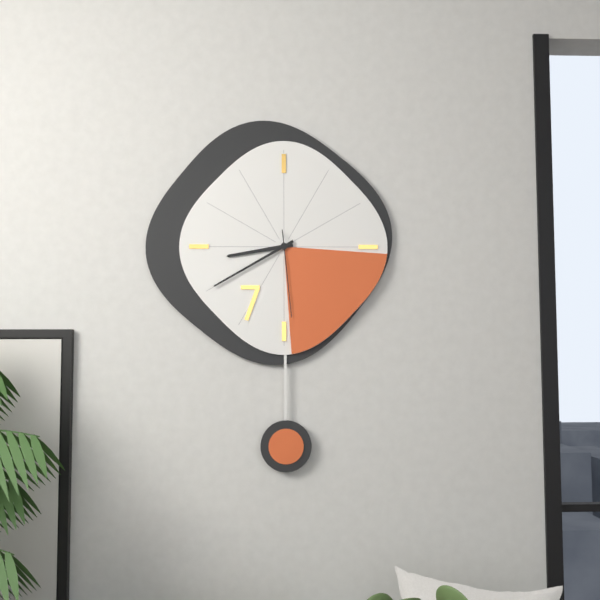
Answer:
8,40,29
